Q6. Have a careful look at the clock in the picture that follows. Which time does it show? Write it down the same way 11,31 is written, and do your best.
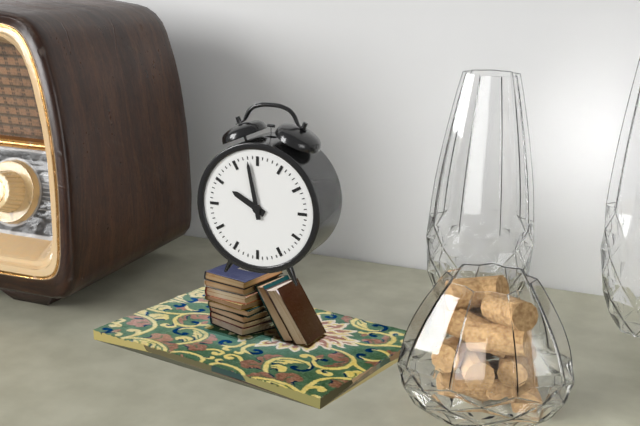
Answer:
9,58
